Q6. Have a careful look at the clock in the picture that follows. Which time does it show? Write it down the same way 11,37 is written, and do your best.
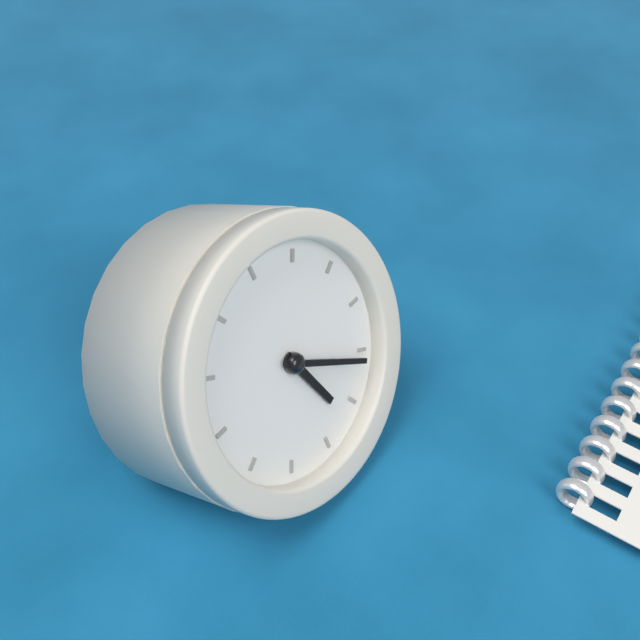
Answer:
5,21
